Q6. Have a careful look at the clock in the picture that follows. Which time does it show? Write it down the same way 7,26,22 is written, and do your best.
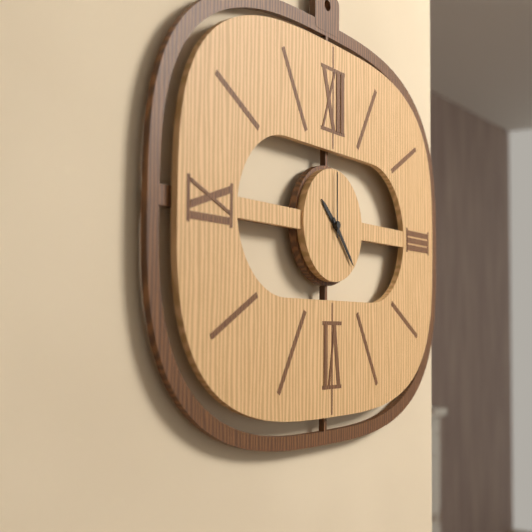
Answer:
10,23,00
